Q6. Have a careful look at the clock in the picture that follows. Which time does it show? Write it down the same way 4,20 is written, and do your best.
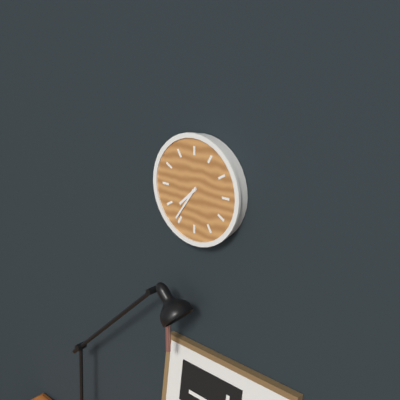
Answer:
7,36
